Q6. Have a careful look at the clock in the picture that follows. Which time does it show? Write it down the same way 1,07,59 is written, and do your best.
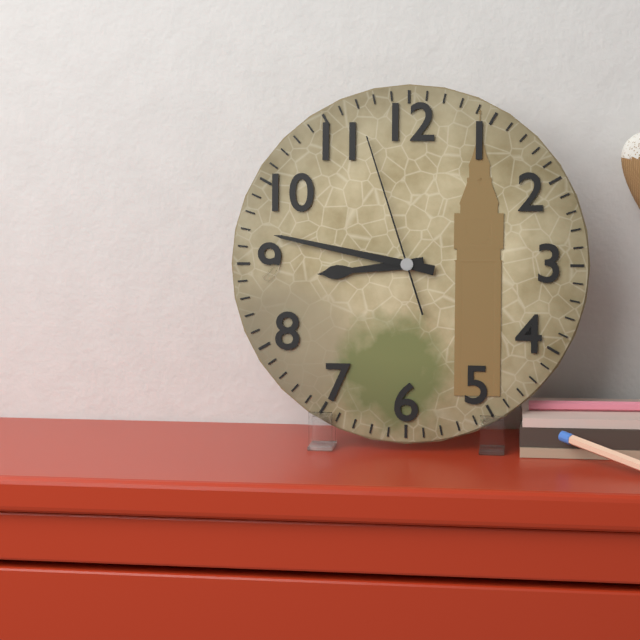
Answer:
8,47,57
